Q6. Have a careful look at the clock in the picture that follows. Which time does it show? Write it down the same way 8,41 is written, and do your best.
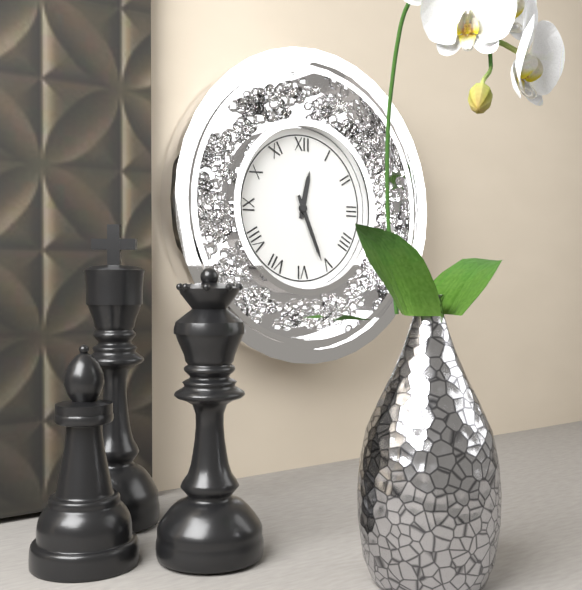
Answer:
12,26
